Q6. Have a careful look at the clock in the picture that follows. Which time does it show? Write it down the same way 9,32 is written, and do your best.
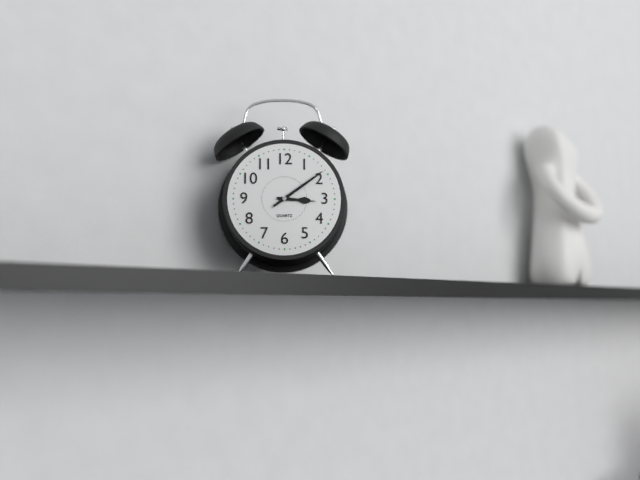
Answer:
3,09
